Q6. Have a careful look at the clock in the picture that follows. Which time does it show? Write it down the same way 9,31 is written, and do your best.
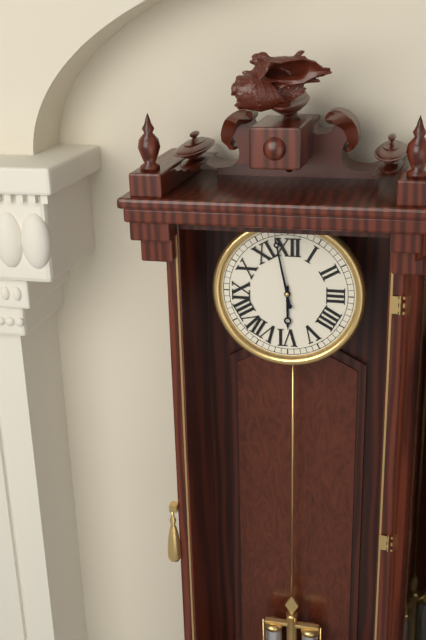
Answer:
5,58
